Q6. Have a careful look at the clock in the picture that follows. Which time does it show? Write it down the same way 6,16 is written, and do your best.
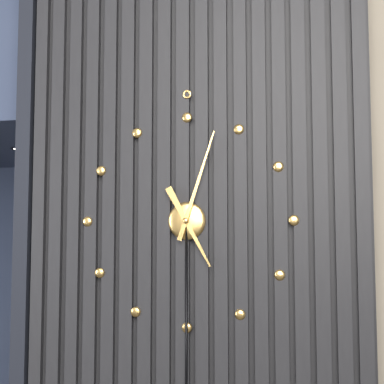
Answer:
5,03
